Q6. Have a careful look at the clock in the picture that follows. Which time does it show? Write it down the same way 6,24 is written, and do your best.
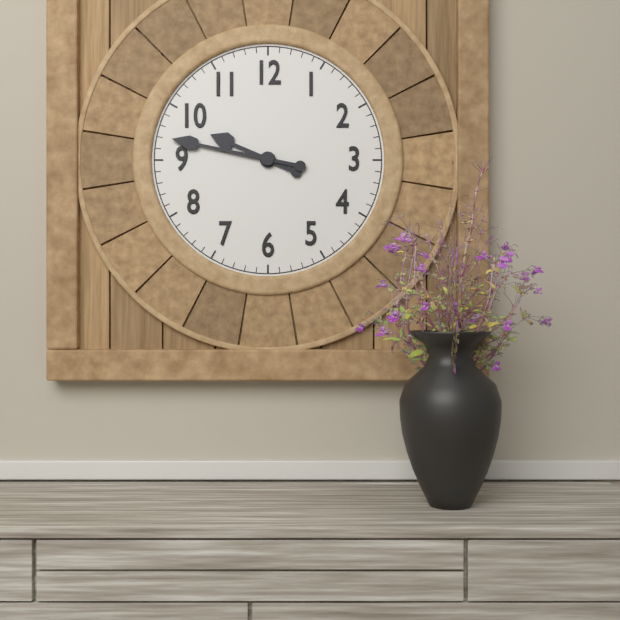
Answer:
9,47
